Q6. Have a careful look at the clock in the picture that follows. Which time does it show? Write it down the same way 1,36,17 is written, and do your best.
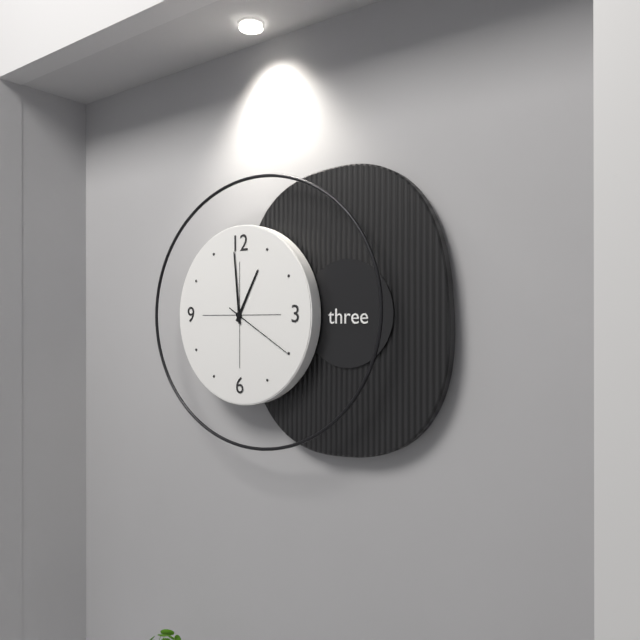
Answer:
12,59,20
